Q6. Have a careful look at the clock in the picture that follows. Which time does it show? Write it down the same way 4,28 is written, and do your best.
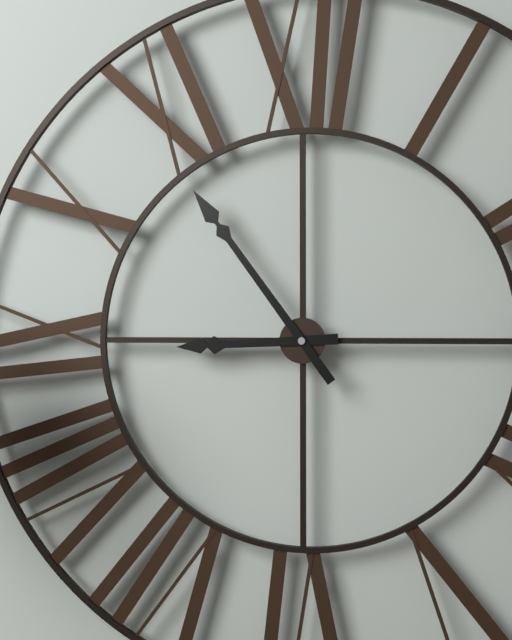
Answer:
8,54
